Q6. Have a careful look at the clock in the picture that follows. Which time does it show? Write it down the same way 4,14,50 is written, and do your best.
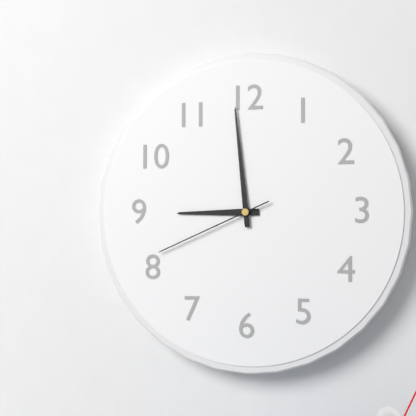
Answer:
8,59,41
